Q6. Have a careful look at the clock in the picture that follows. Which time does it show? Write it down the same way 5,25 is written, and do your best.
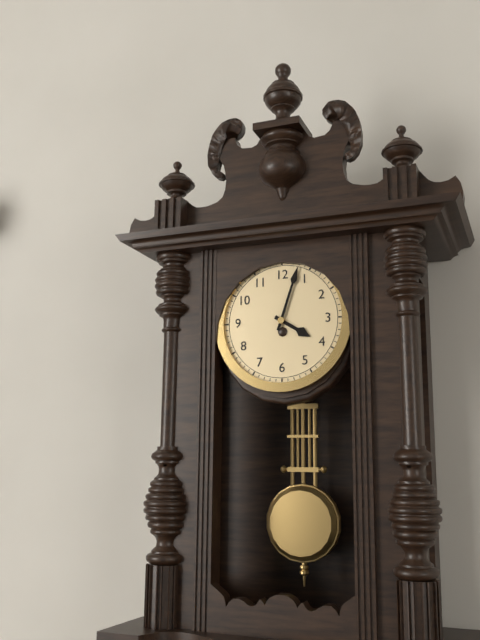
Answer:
4,03
